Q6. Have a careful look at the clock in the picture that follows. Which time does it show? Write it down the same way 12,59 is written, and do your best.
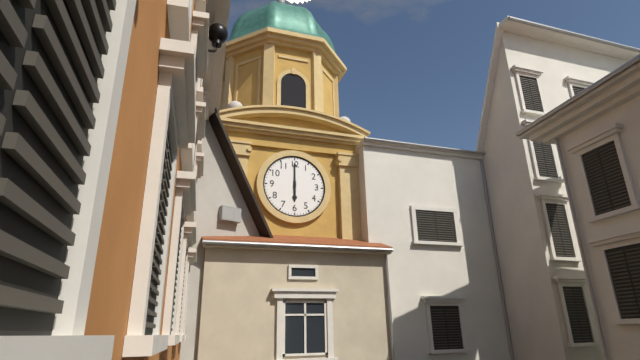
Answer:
6,00
